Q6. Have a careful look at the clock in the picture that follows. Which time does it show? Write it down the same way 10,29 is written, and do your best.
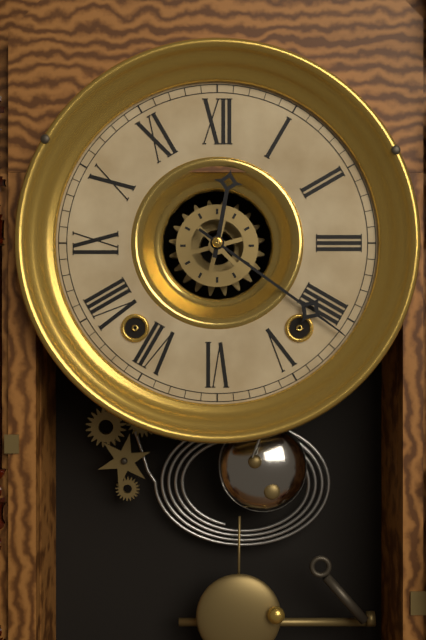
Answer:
12,21
